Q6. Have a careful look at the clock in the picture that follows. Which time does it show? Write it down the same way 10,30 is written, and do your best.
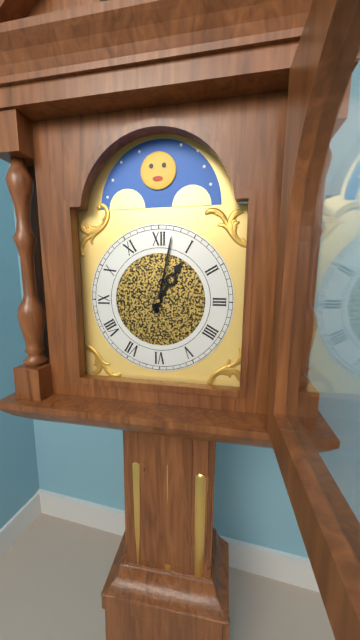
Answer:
1,02
